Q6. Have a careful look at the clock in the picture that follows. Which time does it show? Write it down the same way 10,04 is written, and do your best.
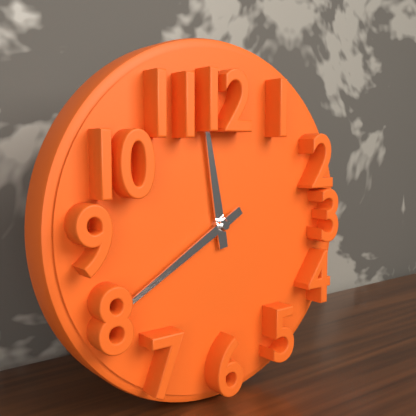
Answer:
11,40
